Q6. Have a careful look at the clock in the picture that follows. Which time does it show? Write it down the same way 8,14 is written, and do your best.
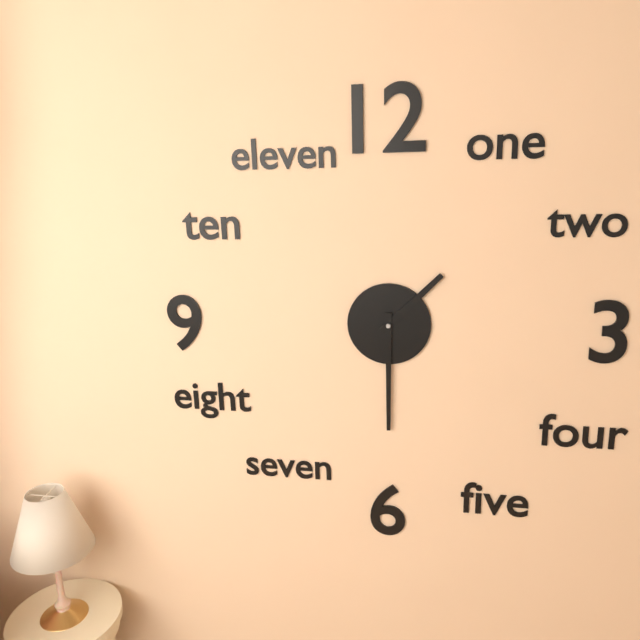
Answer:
1,30
